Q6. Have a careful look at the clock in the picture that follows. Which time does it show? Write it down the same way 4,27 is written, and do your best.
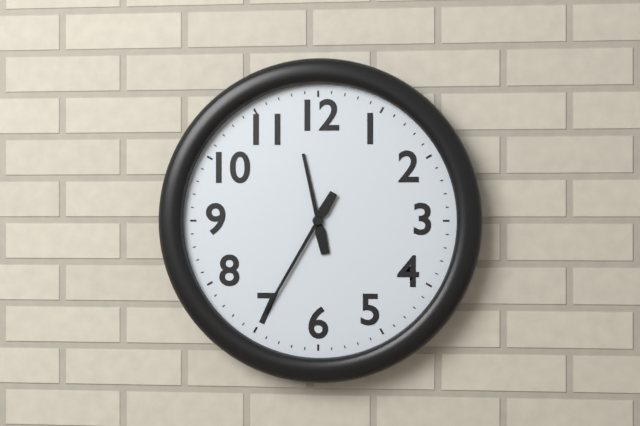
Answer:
11,35
